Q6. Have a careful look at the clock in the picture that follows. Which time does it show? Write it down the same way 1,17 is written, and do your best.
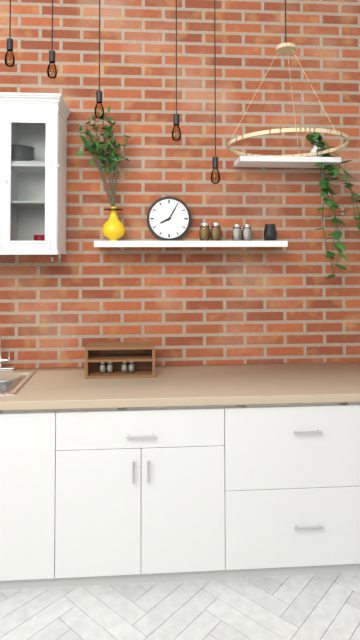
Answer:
8,05
